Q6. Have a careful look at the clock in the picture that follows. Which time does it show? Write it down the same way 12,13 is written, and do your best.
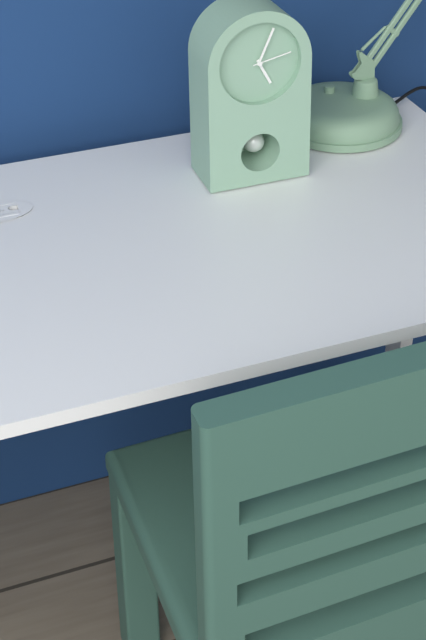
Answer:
5,04
